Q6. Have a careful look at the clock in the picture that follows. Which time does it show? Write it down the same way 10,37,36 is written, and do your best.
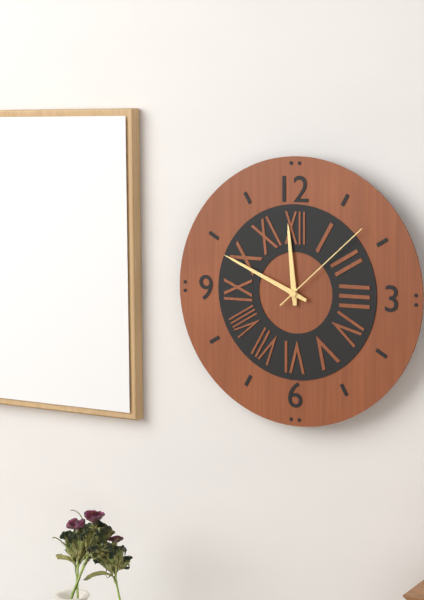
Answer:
11,49,08
